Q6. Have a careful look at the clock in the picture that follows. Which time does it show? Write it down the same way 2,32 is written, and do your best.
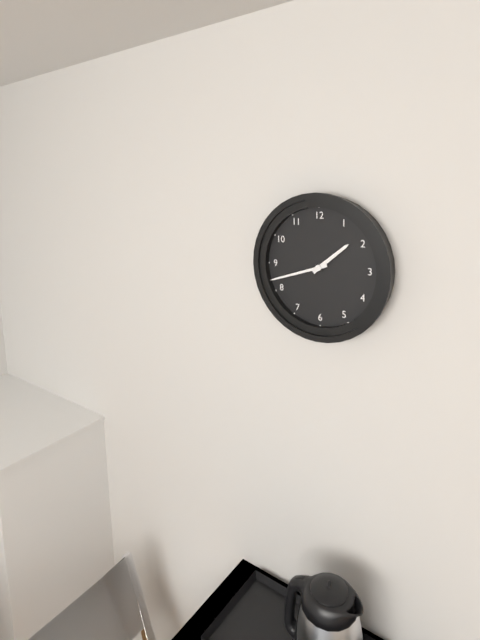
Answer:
1,42
